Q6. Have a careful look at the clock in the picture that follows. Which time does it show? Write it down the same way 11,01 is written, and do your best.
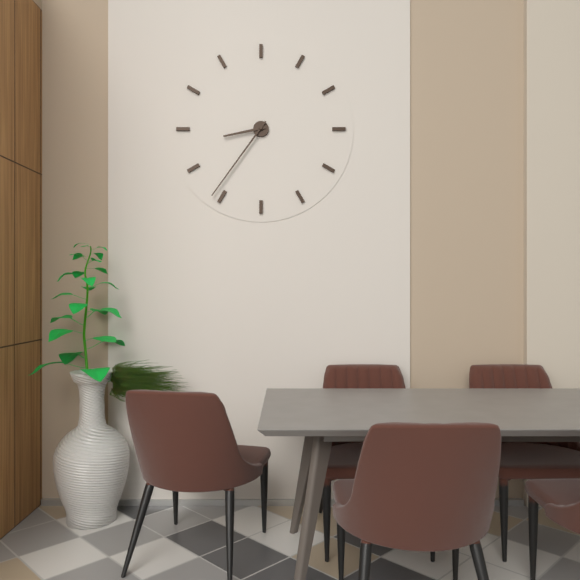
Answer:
8,36
